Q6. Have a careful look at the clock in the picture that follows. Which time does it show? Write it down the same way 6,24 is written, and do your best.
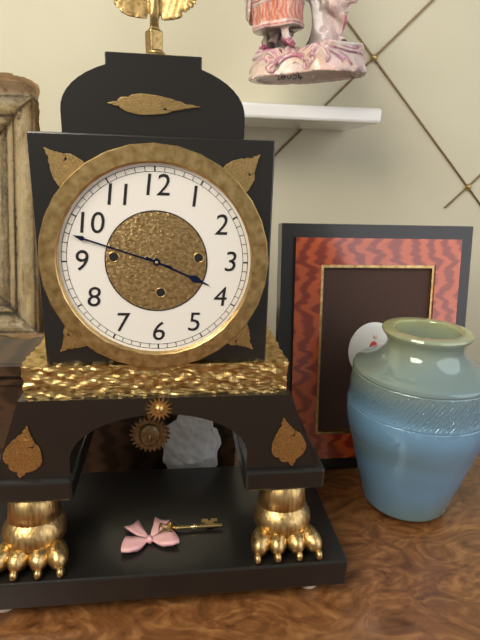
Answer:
3,48
